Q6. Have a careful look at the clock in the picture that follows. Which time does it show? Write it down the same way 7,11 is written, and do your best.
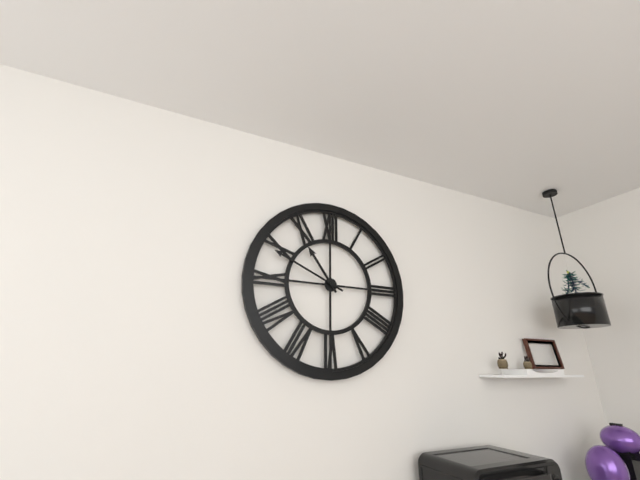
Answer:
10,49
